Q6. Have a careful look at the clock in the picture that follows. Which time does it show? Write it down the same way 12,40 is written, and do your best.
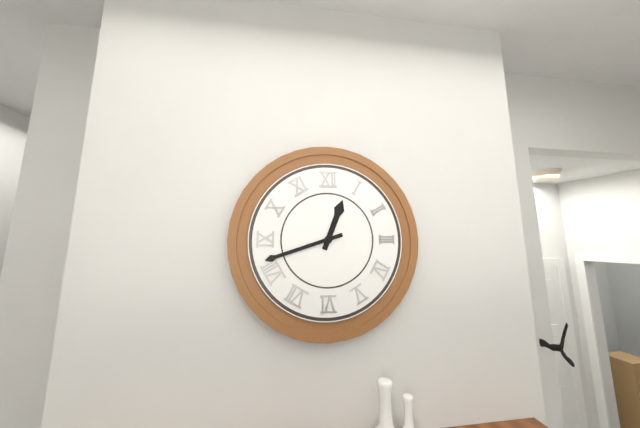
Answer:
12,42
